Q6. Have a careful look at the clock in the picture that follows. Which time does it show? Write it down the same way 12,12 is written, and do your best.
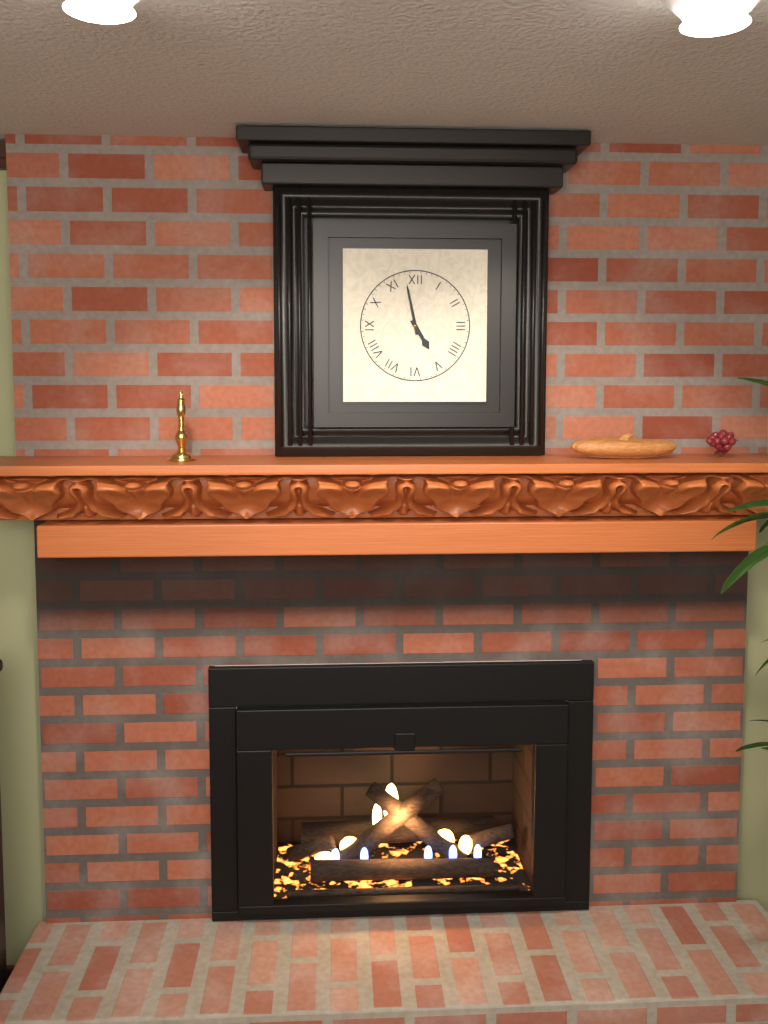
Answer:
4,58
